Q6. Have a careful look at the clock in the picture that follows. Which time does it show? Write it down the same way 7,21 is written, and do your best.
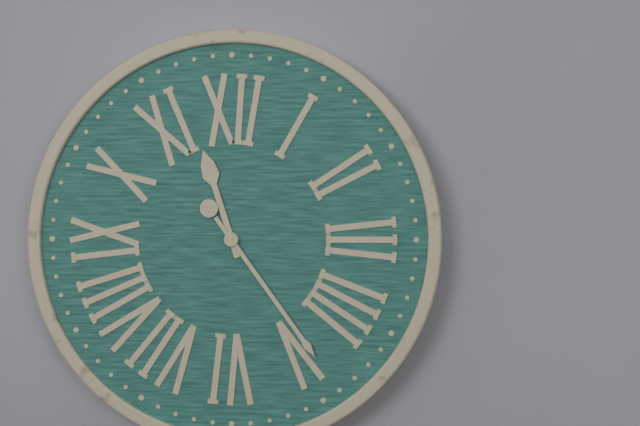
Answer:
11,24
